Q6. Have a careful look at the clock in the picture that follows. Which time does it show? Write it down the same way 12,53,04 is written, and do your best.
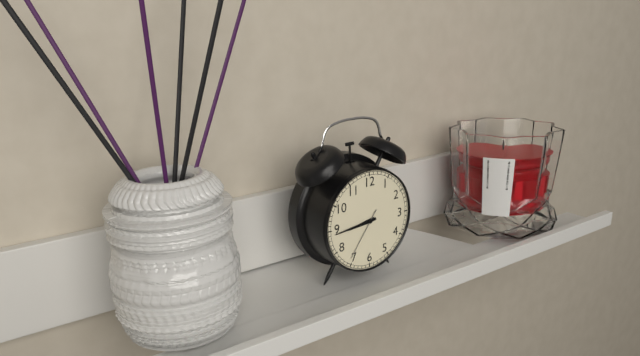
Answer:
8,44,36
